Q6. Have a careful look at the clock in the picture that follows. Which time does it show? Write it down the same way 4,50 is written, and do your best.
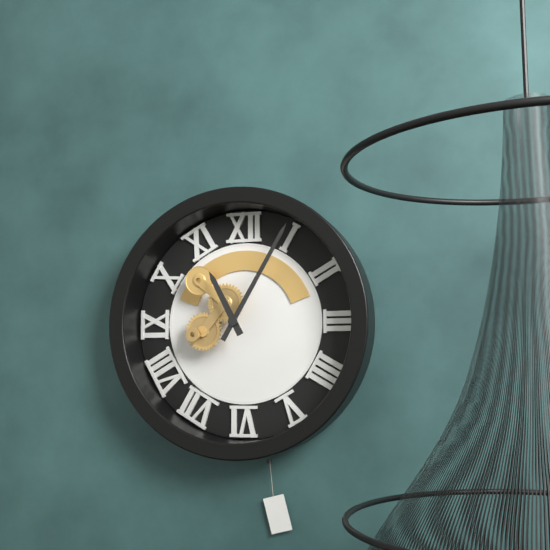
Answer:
11,05
